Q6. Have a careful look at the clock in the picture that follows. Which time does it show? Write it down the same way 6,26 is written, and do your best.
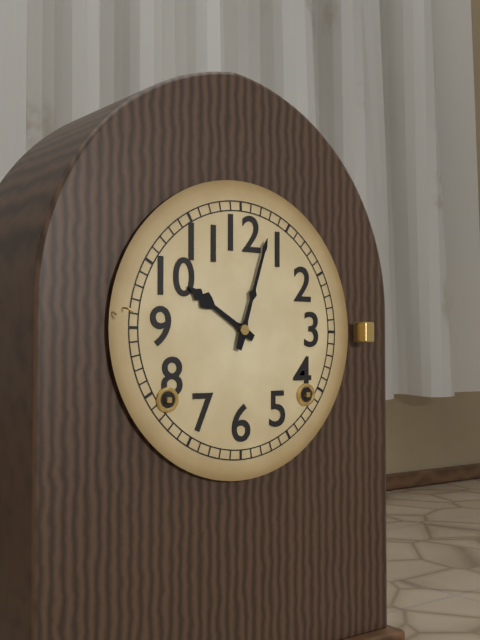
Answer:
10,03
